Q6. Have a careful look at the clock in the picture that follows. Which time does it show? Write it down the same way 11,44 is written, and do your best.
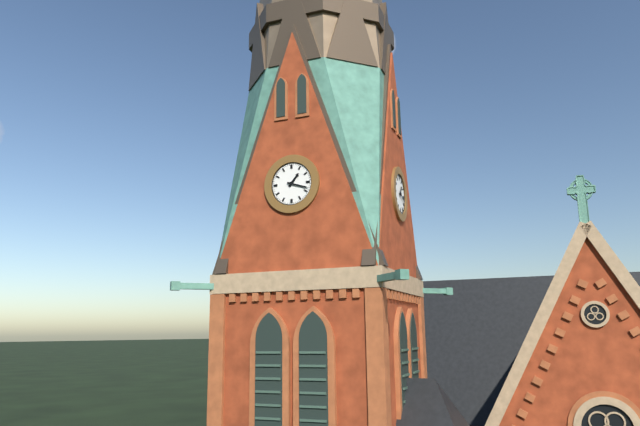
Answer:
1,18
